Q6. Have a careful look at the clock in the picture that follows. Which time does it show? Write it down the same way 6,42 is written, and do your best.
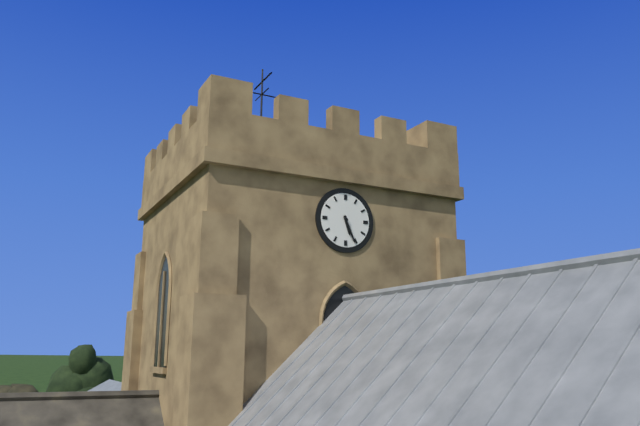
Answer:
5,26
